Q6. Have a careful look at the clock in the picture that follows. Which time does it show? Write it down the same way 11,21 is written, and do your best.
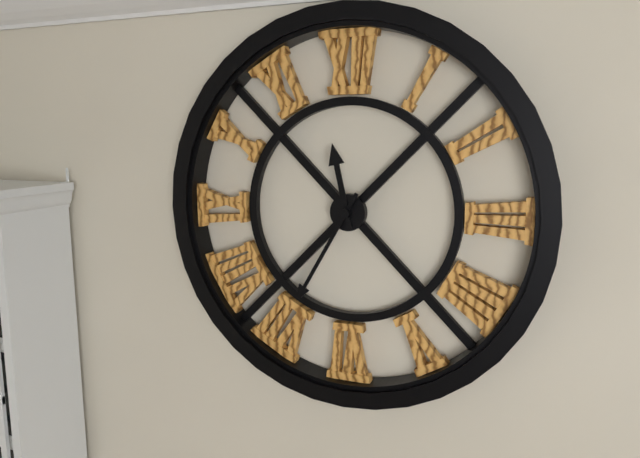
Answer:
11,35
